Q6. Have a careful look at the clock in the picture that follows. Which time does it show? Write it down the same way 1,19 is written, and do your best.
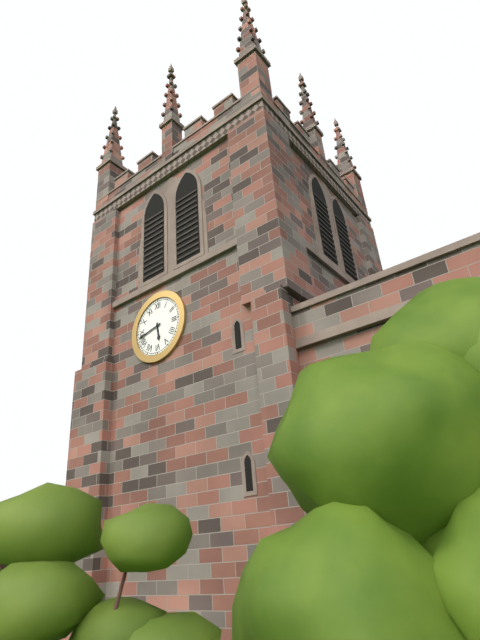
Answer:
5,43
